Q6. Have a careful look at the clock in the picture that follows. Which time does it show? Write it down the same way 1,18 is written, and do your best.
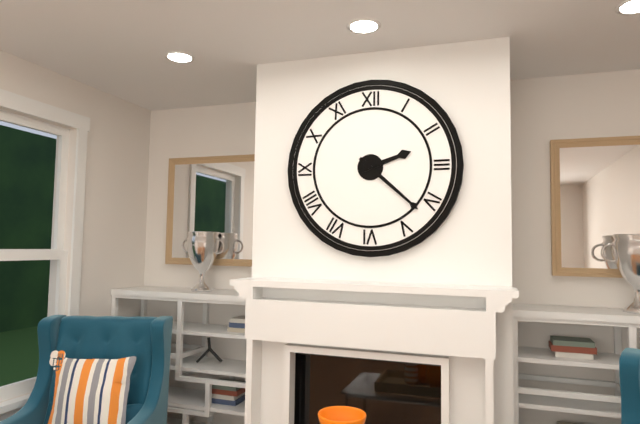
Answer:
2,22
